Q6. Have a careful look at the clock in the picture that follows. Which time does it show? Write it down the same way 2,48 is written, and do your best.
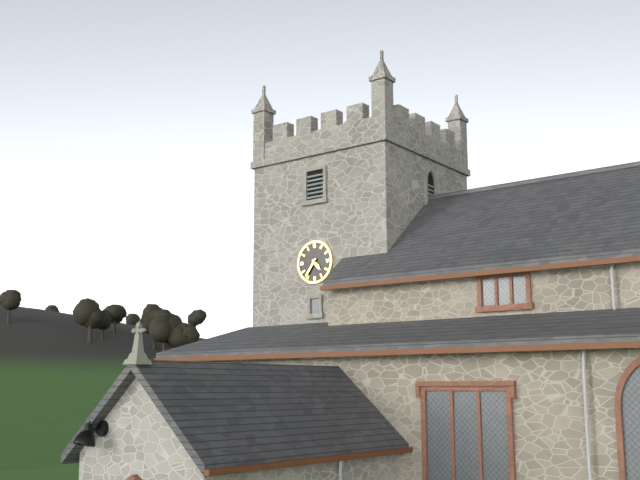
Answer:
4,36
